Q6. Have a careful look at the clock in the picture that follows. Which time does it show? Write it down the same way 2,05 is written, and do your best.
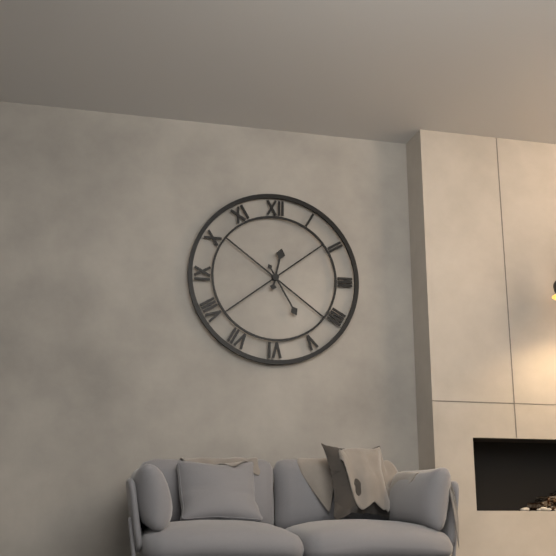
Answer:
12,25
